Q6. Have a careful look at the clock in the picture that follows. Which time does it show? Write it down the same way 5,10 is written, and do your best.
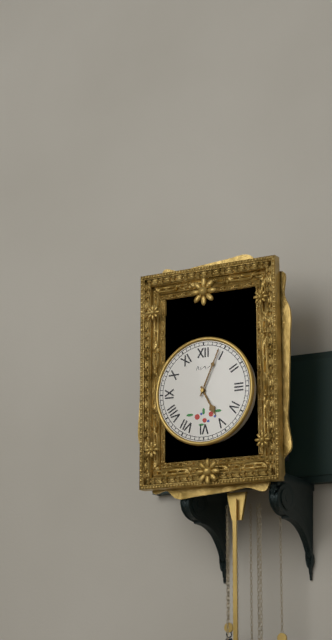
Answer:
5,04
